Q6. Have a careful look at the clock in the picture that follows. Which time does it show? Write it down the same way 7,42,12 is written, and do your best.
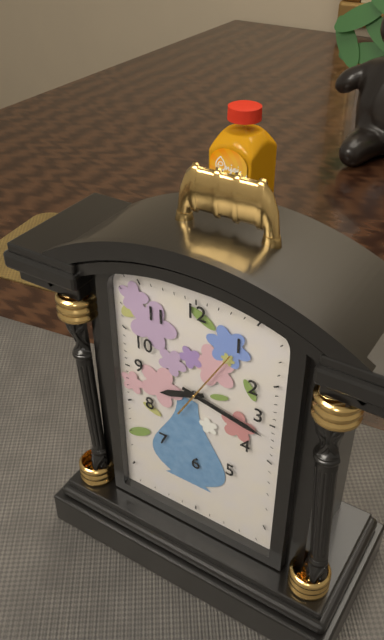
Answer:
8,17,05
